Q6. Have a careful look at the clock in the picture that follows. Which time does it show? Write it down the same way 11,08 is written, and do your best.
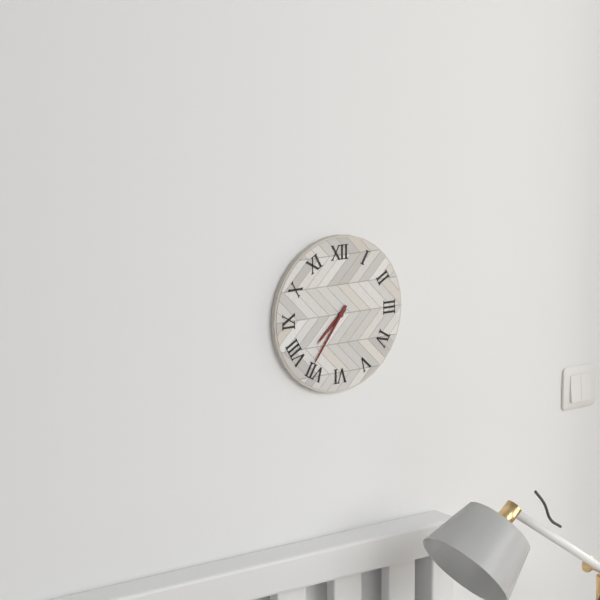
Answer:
7,36
